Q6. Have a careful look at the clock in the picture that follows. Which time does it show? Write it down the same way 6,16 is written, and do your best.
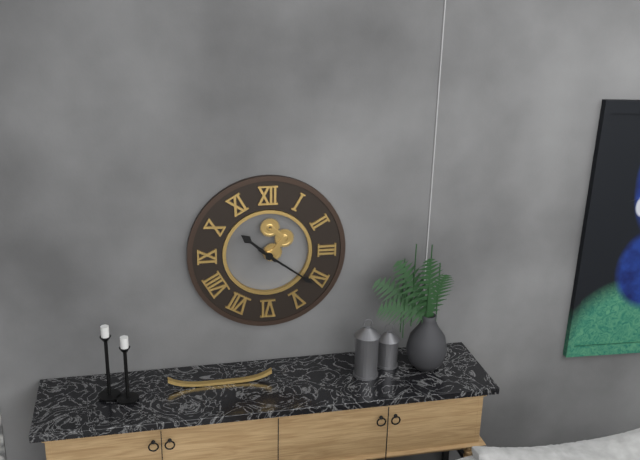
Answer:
10,21
